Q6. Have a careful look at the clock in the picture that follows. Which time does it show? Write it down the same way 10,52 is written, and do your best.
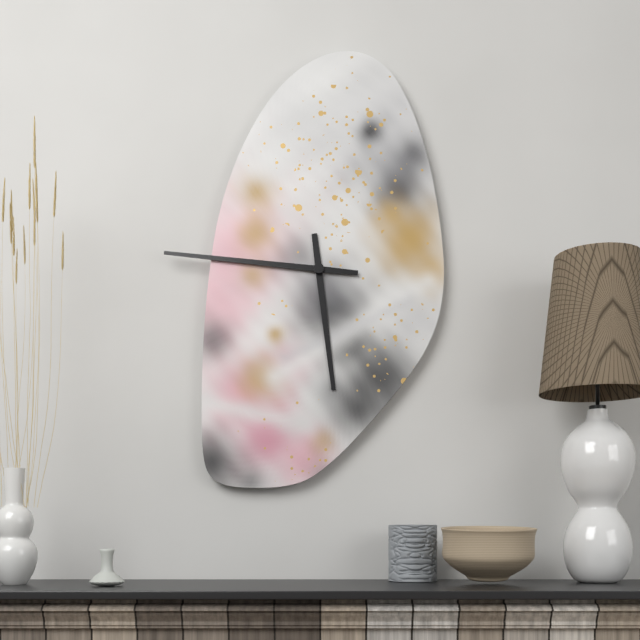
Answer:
5,46
